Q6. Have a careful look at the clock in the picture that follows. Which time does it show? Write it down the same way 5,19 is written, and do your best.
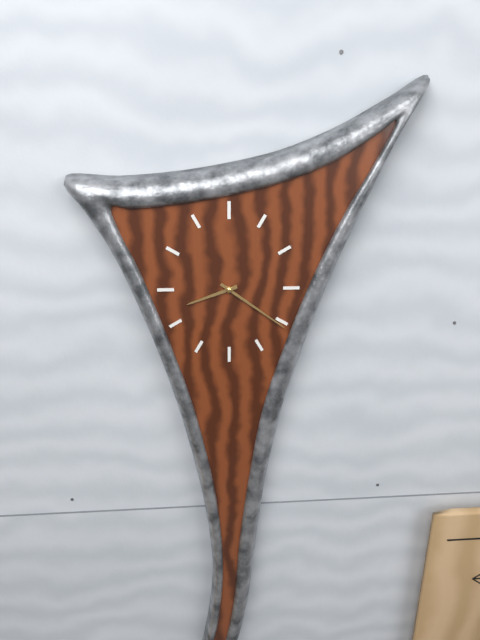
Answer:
8,21
